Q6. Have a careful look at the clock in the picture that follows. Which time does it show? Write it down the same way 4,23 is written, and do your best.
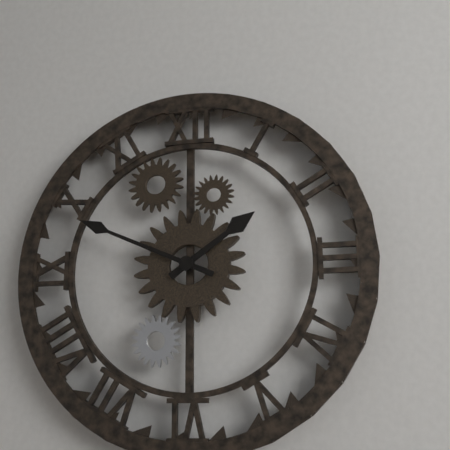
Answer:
1,49
